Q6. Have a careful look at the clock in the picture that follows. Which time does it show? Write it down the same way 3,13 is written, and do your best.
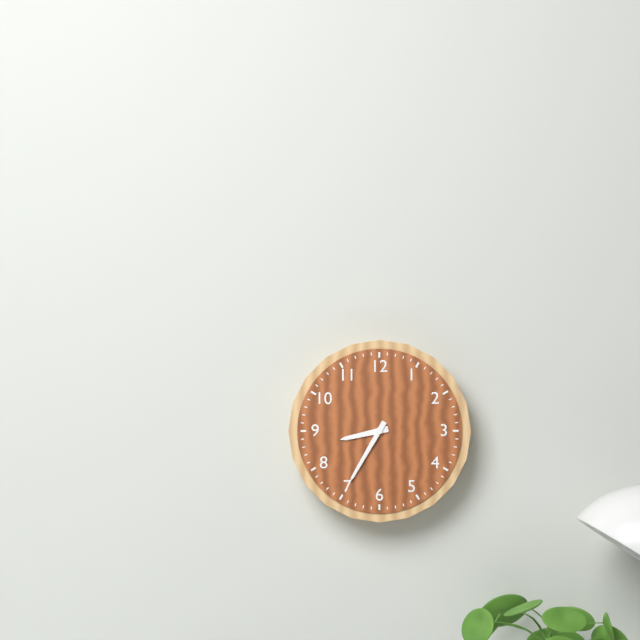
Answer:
8,35
